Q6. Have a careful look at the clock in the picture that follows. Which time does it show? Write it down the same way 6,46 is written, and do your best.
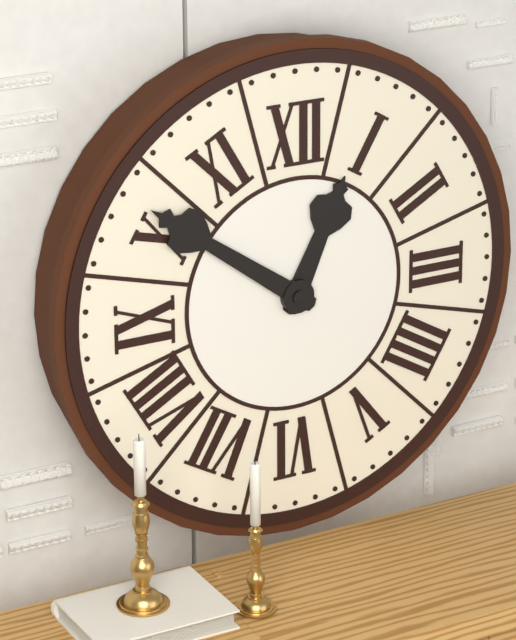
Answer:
12,51
